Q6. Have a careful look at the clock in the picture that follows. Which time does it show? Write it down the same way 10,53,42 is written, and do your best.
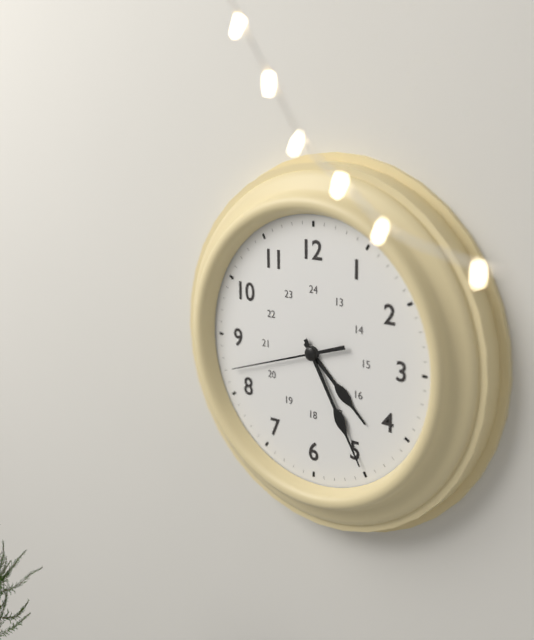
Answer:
4,25,42
